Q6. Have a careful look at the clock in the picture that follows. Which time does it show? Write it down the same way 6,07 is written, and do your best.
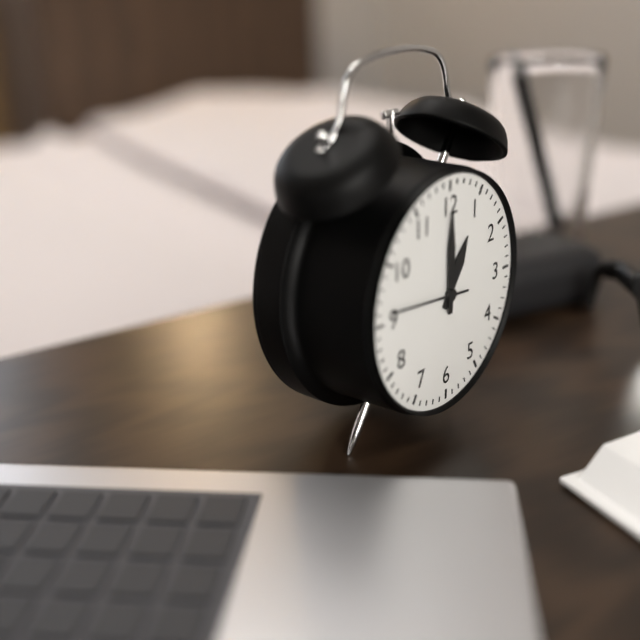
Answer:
1,00
